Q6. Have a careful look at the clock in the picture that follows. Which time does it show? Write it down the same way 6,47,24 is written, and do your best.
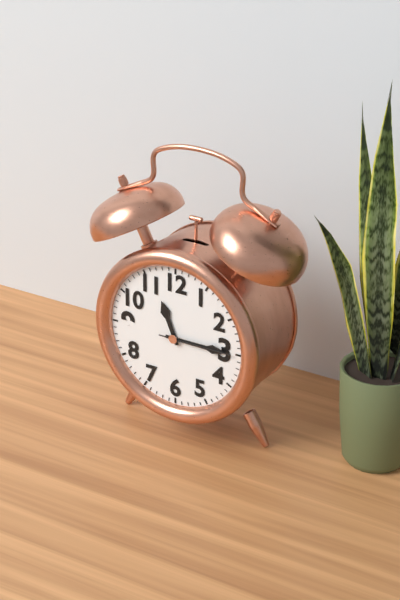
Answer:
11,15,15
